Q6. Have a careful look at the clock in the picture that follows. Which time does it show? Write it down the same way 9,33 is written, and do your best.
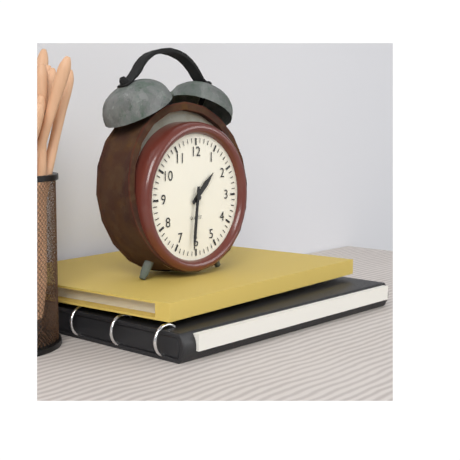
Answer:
1,31
